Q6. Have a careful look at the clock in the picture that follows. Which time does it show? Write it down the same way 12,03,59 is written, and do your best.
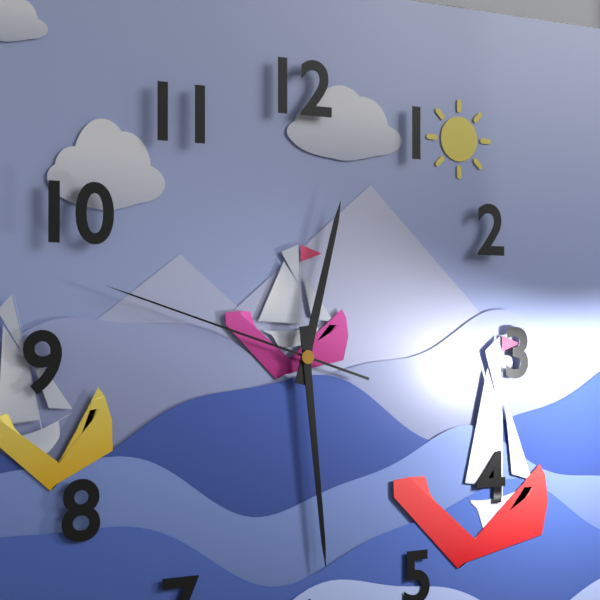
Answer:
12,29,48
